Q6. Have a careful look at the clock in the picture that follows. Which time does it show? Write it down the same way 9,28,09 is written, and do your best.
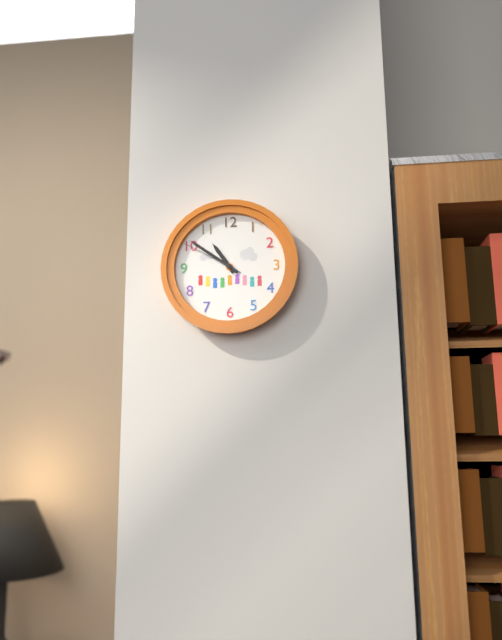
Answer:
10,51,50
